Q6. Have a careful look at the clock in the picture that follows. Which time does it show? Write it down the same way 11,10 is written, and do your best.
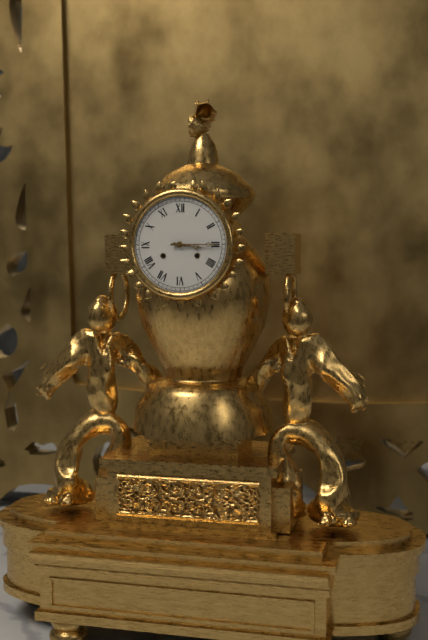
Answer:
3,15
